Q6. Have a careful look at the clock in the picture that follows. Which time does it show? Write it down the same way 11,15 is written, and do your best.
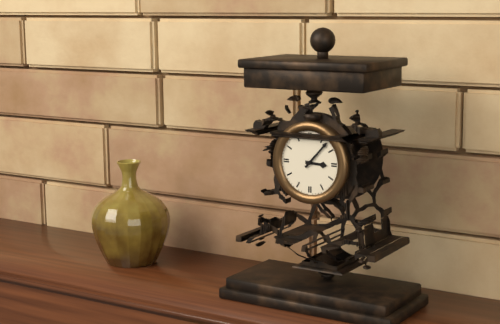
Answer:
3,07
